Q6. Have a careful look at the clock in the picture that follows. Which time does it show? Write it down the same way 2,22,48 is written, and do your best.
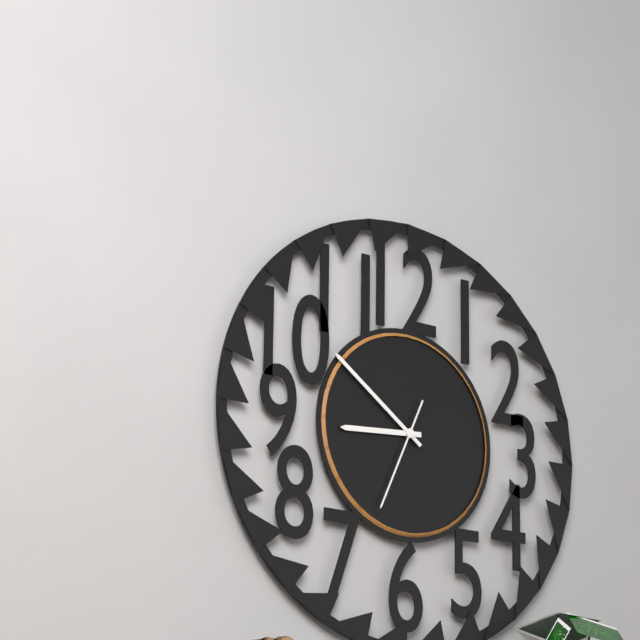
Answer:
8,51,34
